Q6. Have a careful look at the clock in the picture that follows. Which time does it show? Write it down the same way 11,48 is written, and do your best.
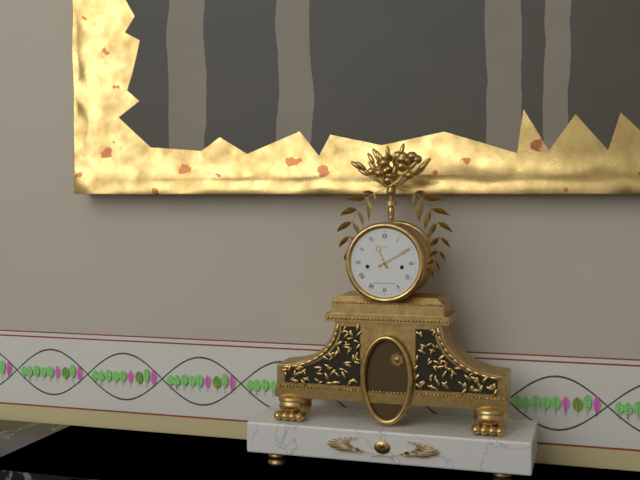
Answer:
11,10
